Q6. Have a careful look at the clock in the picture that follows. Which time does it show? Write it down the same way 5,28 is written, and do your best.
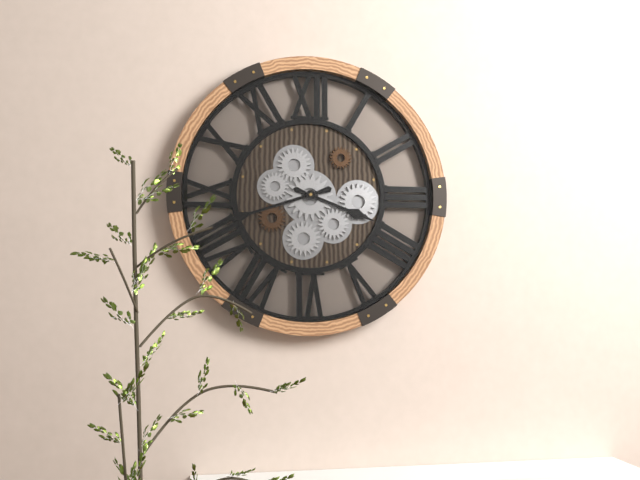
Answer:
3,42
